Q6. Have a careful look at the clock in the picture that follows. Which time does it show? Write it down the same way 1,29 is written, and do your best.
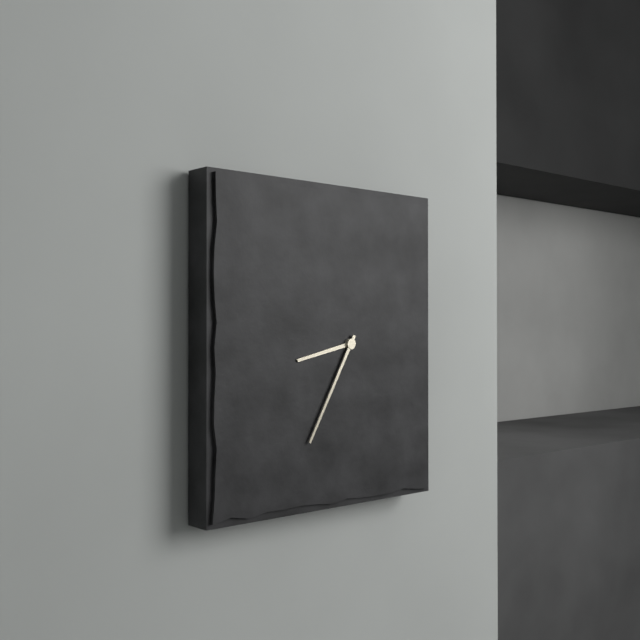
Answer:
8,35
